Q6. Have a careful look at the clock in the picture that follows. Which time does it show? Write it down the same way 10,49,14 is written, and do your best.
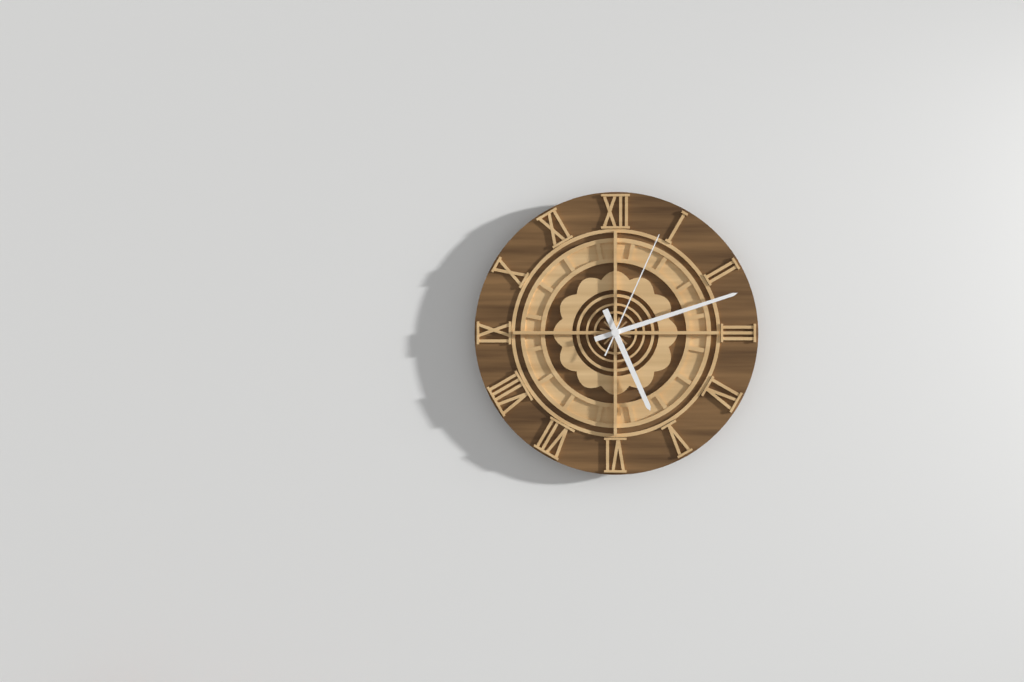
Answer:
5,12,04
